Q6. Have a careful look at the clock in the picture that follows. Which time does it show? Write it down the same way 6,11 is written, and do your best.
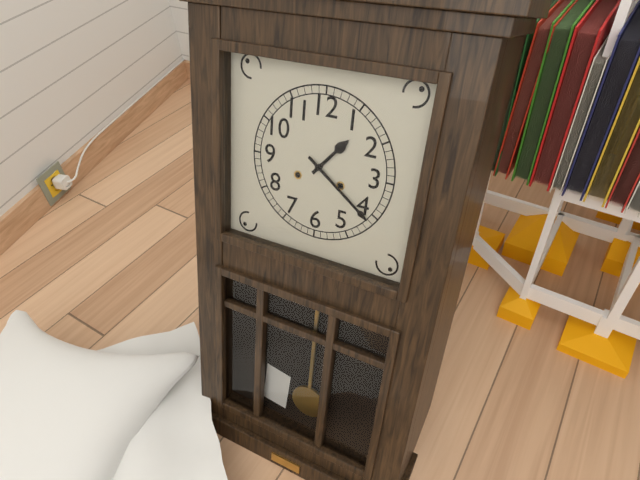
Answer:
1,21
